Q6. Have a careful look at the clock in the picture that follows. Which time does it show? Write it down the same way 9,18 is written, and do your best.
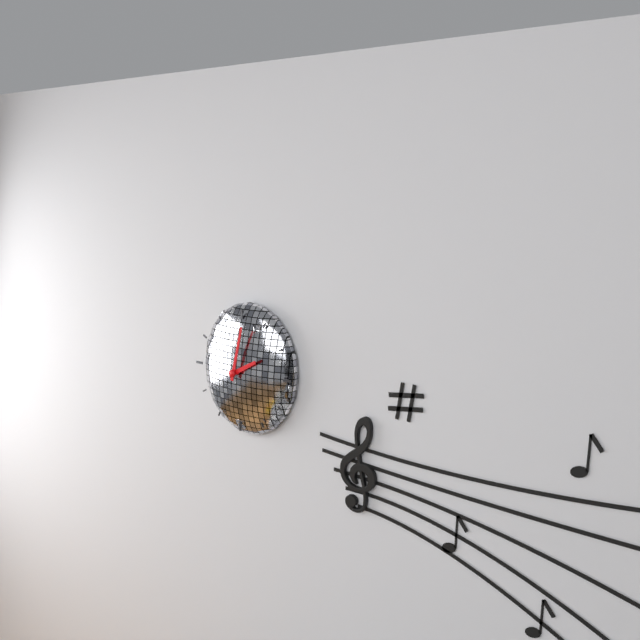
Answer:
2,02
